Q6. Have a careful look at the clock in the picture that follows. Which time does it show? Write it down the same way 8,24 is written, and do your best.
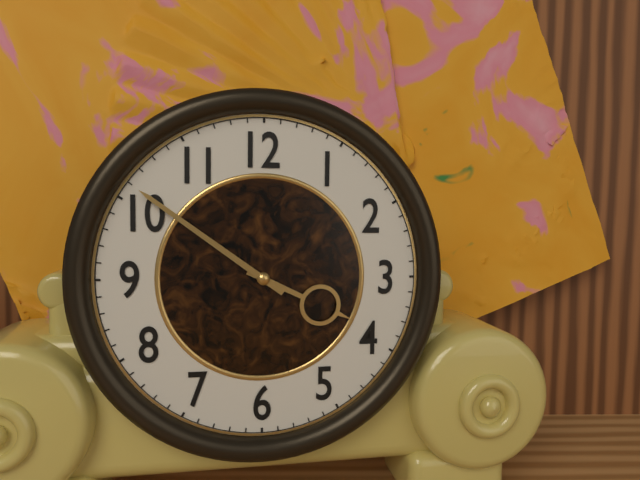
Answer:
3,51
